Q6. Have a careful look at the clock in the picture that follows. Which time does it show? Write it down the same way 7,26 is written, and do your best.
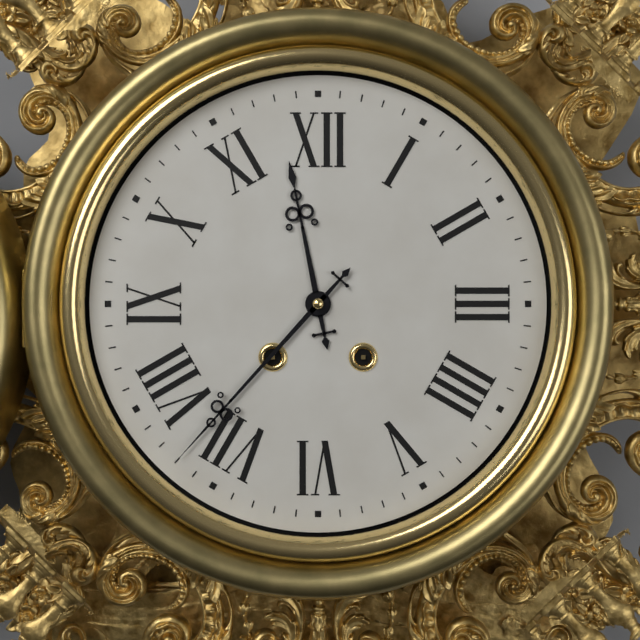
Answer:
11,37
